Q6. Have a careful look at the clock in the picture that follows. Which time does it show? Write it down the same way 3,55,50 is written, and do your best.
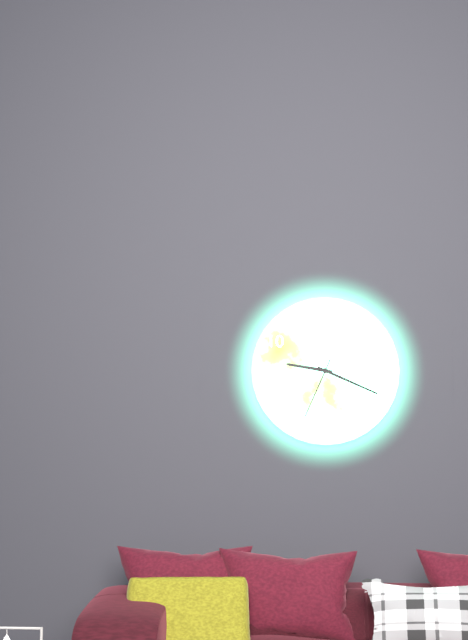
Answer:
9,19,34
